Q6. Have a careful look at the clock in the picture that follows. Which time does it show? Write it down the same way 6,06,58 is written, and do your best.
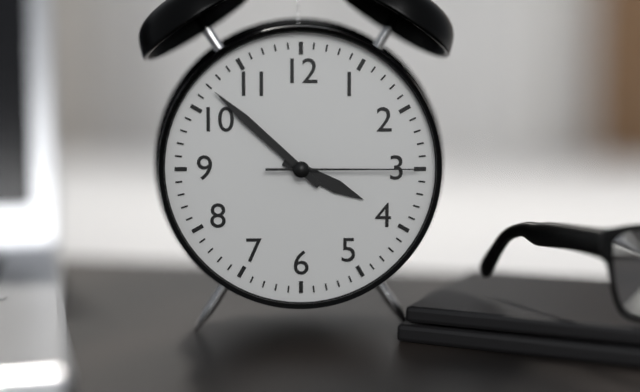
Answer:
3,52,15
